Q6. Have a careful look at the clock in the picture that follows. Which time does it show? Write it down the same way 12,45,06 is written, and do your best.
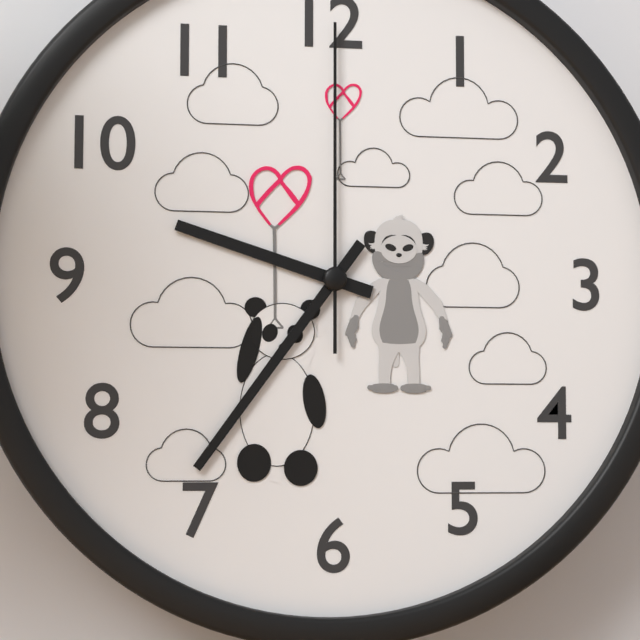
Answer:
9,36,00
